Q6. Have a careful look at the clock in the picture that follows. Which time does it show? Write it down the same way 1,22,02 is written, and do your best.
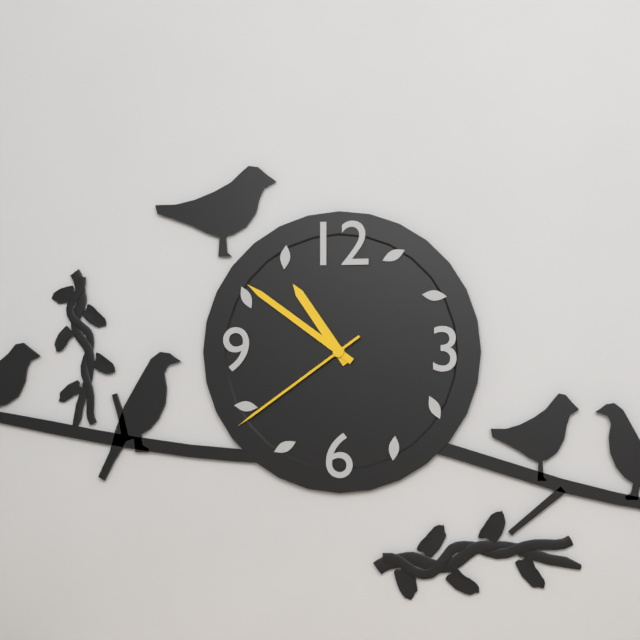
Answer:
10,51,39
